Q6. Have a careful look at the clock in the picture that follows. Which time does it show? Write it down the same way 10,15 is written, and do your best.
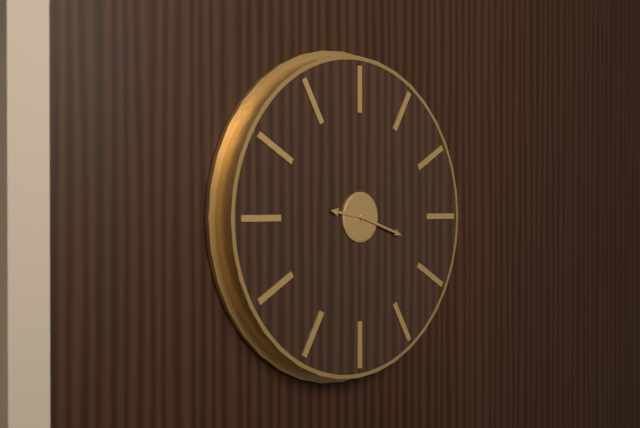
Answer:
9,18
